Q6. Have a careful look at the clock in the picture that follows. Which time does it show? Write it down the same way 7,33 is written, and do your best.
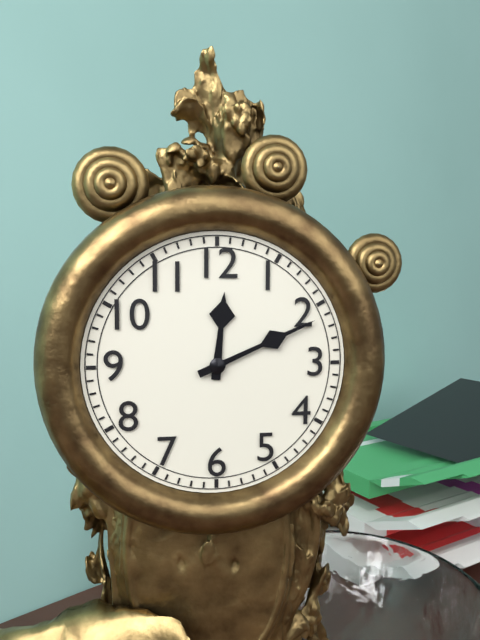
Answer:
12,11
